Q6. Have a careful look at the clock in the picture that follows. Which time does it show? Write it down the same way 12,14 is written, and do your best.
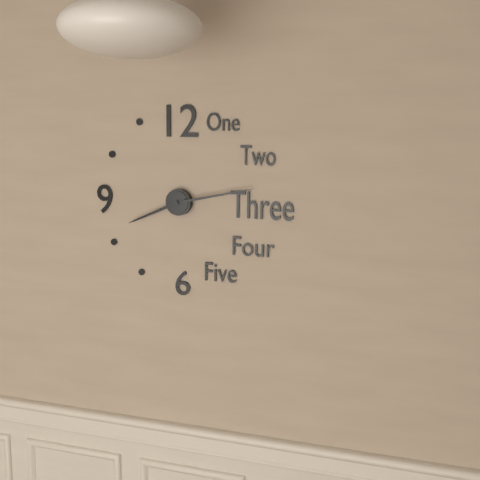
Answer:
8,13
